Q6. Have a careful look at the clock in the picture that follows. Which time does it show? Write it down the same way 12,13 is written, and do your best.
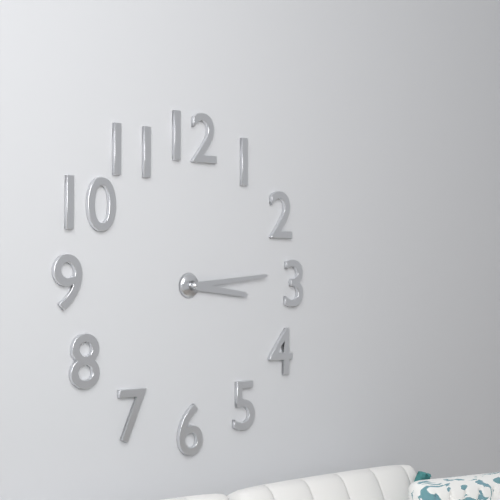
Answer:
3,14
